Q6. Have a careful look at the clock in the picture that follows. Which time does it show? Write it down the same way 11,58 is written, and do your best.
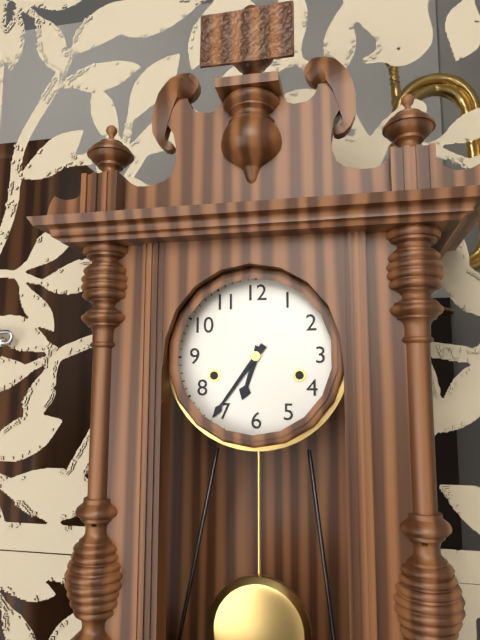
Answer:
6,36
